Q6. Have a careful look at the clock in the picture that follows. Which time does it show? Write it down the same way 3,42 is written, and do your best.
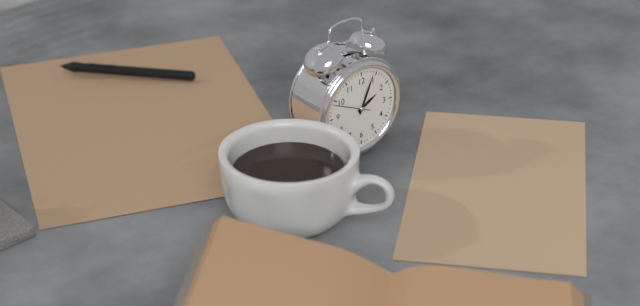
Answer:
2,04
